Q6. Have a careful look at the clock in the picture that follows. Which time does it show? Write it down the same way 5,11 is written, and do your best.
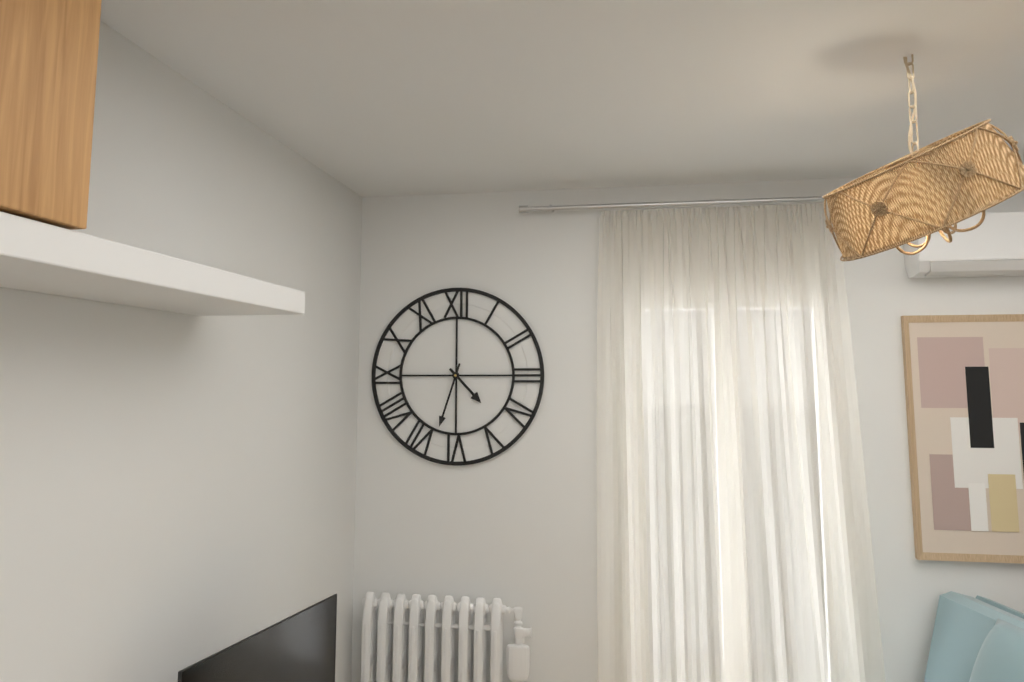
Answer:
4,33
